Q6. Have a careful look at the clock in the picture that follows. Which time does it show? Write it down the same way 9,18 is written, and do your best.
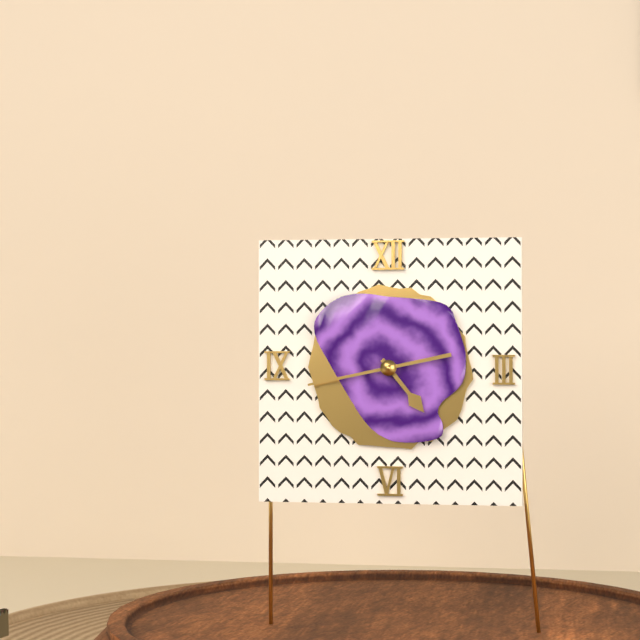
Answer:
4,43
